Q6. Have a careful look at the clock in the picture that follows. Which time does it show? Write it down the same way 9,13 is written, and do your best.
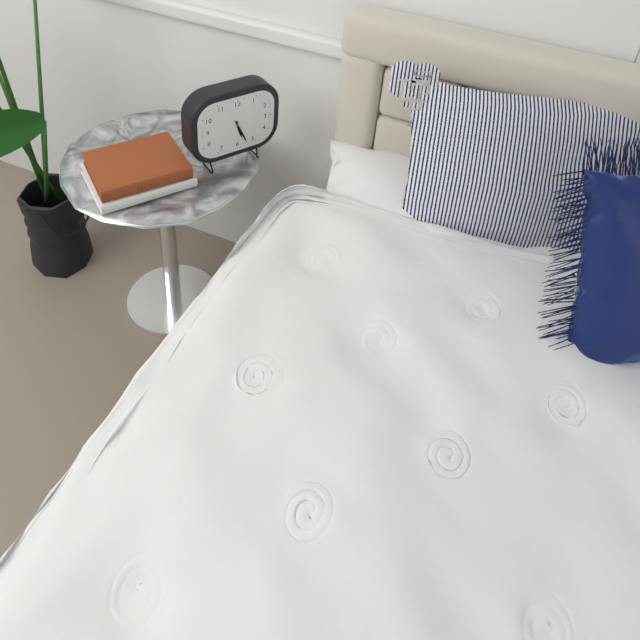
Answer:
5,26
